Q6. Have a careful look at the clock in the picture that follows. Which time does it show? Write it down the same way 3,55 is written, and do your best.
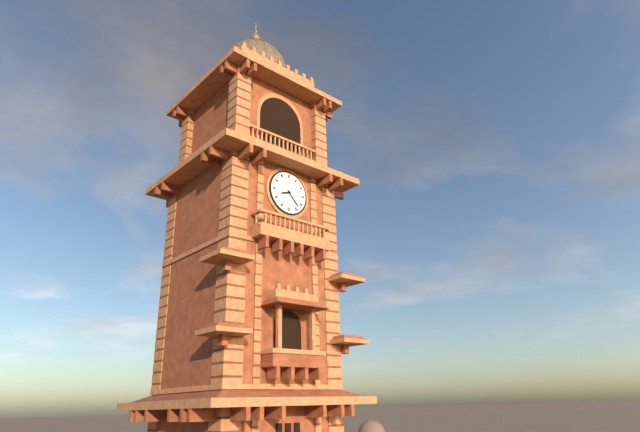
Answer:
8,23
